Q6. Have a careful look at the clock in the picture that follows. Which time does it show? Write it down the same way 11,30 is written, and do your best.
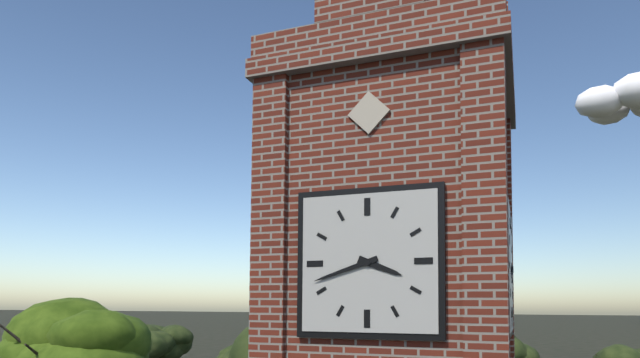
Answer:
3,42
